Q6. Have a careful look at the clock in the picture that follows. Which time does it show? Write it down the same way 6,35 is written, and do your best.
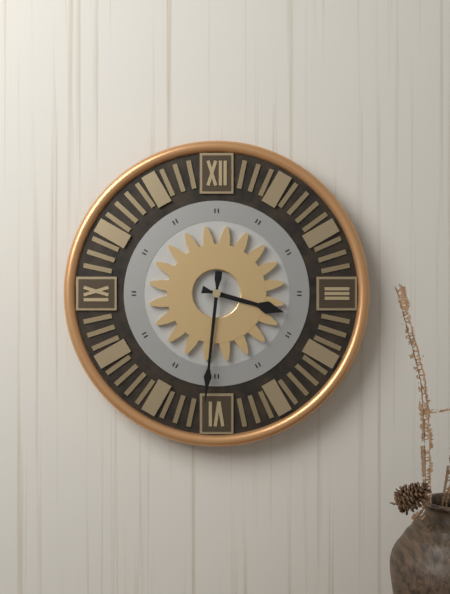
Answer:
3,31
